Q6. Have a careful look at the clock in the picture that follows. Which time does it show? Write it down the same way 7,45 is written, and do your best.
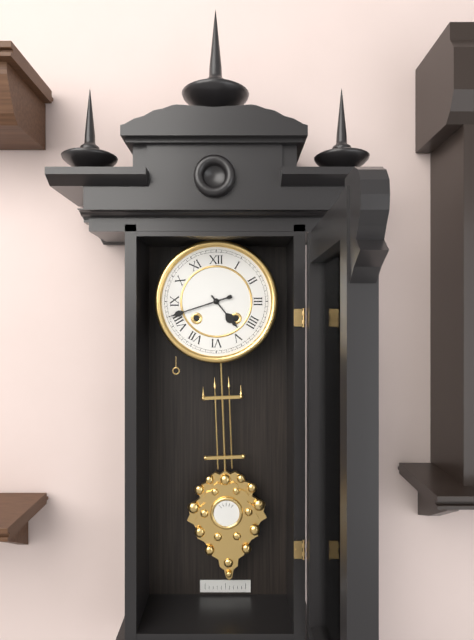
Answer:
4,42
